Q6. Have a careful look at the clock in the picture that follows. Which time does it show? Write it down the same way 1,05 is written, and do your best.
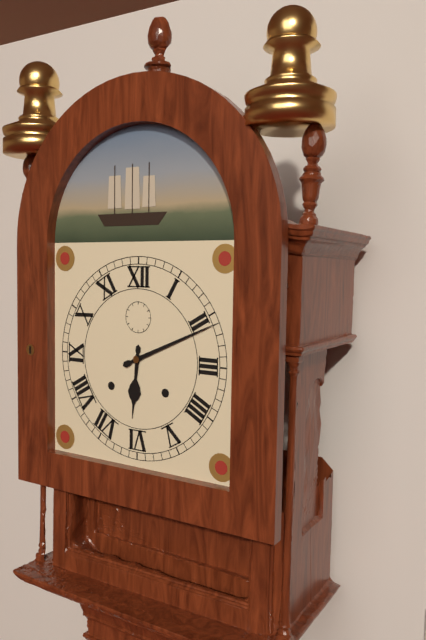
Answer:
6,11
